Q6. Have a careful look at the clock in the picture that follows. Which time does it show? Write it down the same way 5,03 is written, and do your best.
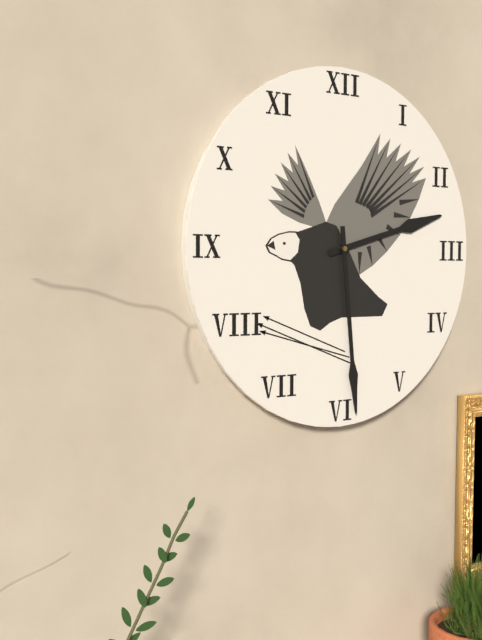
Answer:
2,29
